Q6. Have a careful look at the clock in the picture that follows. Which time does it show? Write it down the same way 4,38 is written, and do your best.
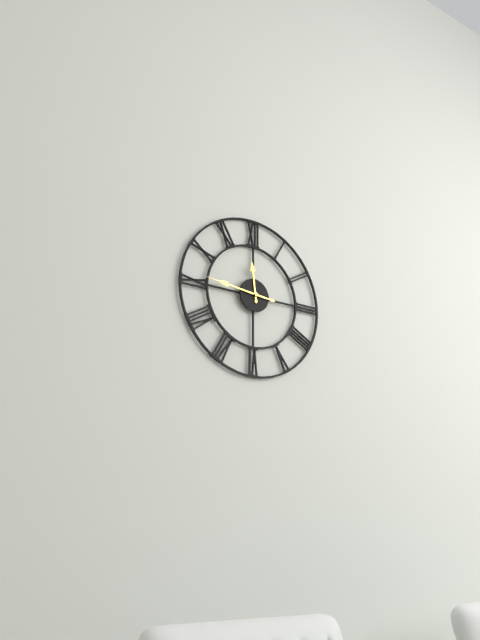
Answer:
11,46
